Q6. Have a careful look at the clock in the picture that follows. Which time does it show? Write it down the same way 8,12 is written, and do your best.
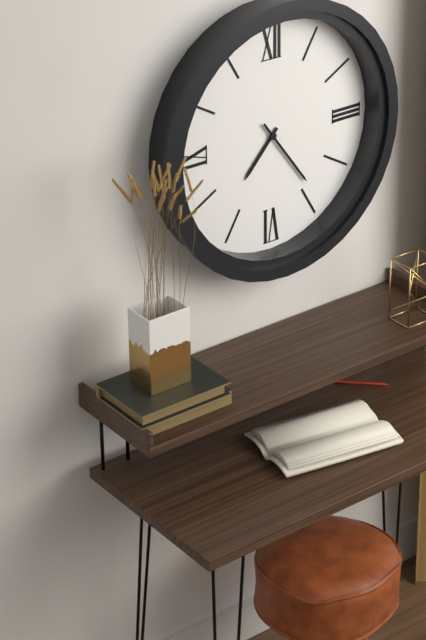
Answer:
7,24
